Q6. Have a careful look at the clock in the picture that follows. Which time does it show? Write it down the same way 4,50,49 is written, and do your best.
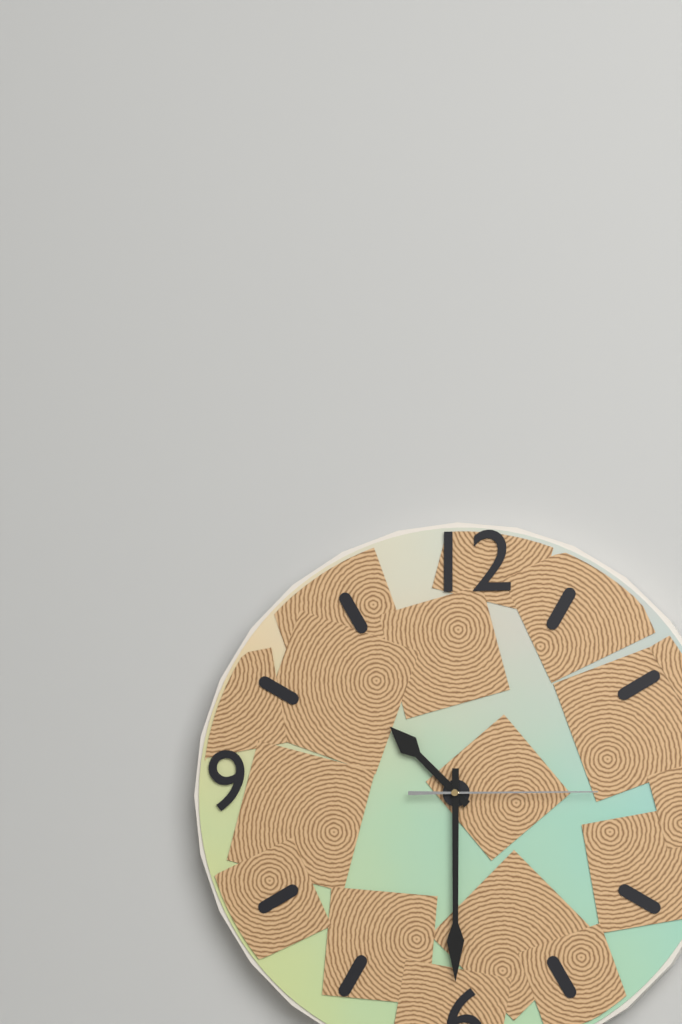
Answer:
10,30,15
